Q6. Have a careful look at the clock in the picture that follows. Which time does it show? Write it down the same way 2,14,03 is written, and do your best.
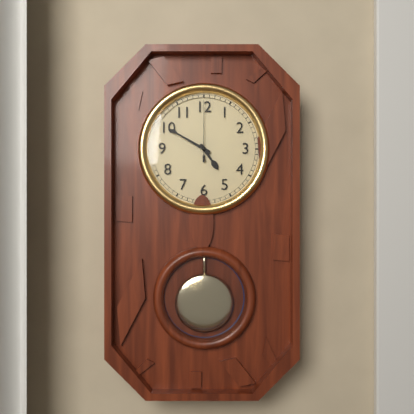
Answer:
4,50,00
